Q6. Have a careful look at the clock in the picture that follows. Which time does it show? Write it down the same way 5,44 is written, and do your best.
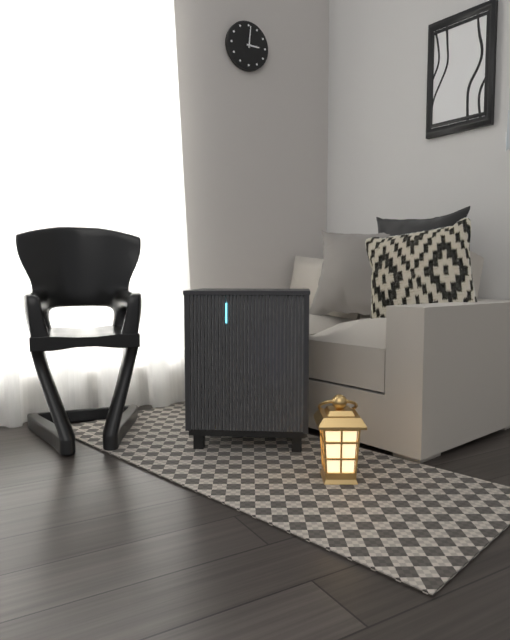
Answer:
3,01
